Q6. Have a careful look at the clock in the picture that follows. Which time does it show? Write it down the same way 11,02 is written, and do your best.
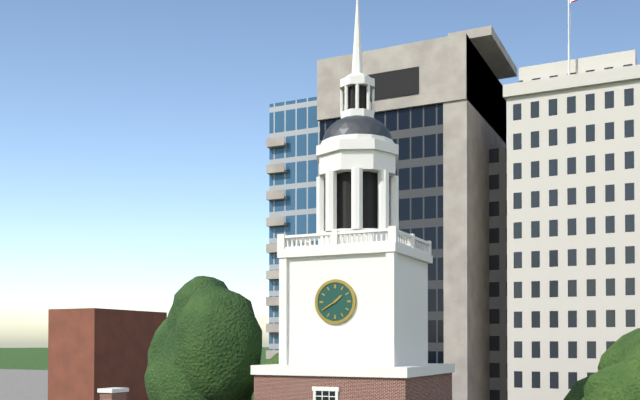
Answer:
1,40
